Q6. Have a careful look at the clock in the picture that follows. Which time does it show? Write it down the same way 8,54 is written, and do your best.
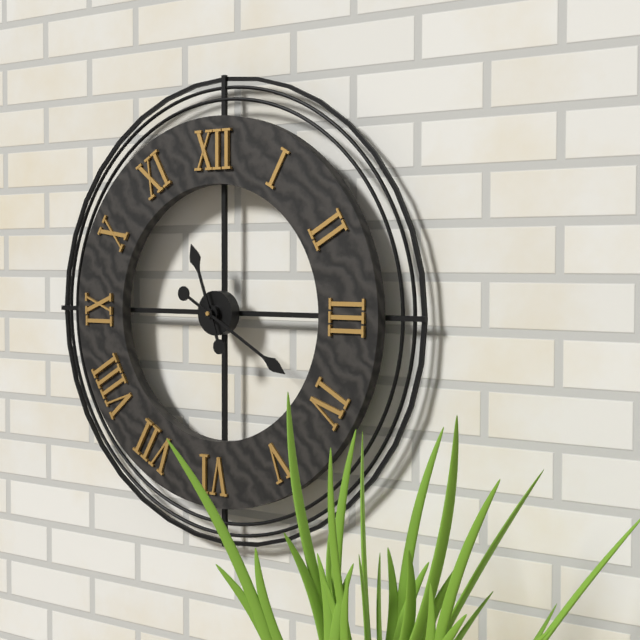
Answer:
11,20
